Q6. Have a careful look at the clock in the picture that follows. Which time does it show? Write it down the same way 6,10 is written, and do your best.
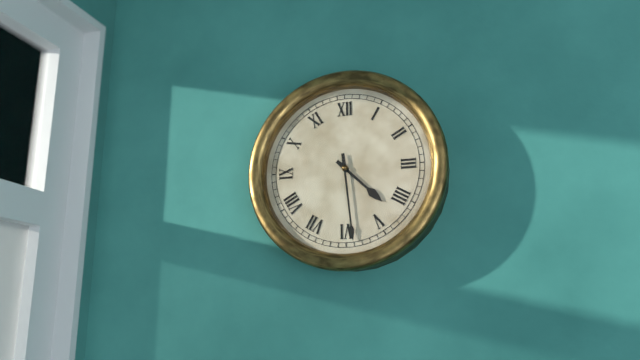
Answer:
4,29
